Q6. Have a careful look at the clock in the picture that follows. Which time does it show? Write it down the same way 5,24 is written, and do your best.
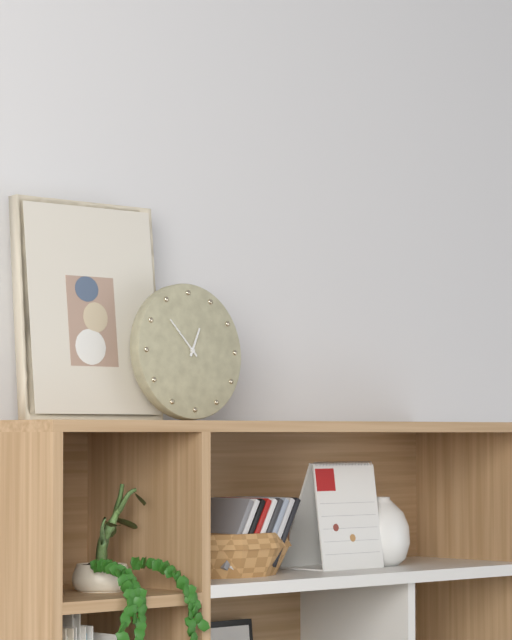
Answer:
12,53
